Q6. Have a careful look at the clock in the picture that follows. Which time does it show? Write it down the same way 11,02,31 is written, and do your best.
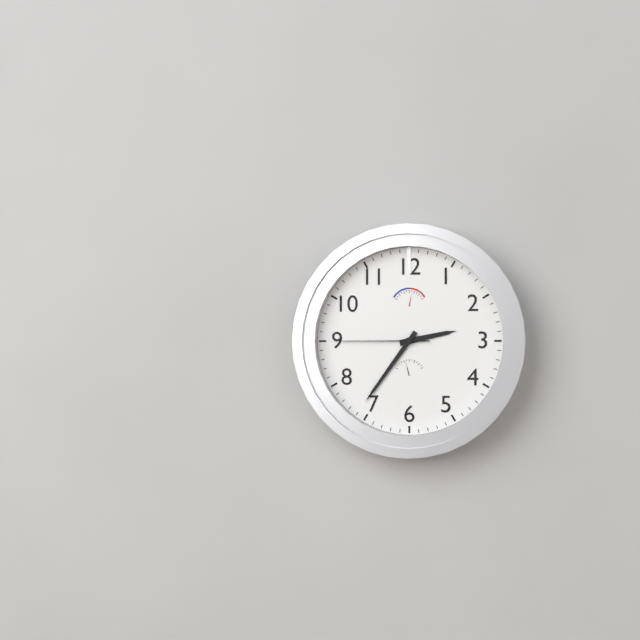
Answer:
2,36,45
